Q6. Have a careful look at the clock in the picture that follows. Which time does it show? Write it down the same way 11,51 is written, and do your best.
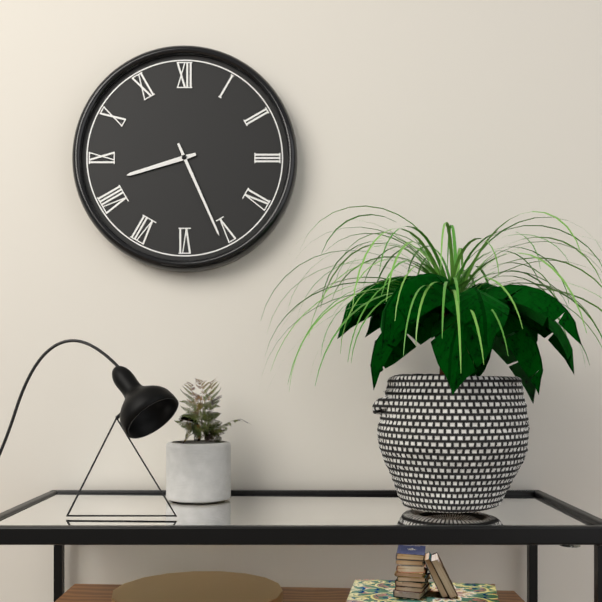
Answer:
8,26
